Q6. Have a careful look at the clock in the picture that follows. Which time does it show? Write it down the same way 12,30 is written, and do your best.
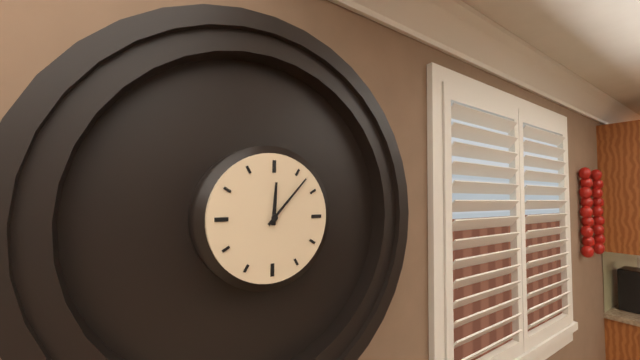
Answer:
12,07
